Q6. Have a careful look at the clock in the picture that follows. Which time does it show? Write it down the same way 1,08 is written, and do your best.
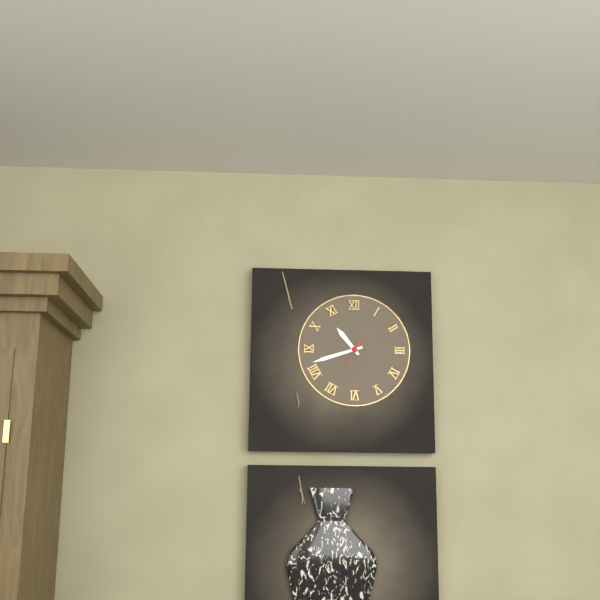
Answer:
10,42
